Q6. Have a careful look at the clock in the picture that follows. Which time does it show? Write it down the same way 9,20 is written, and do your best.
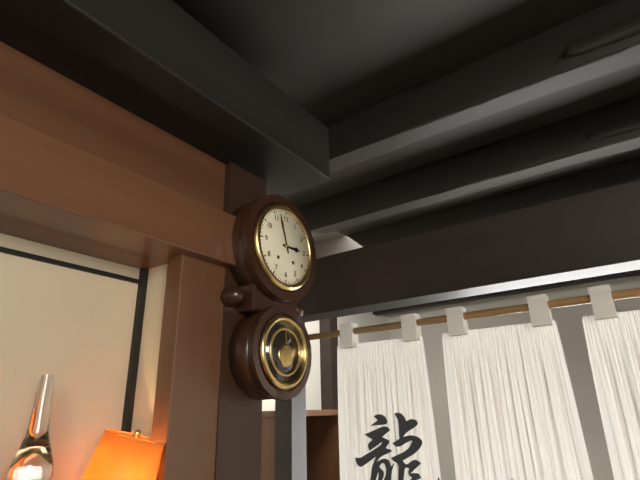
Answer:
2,57
